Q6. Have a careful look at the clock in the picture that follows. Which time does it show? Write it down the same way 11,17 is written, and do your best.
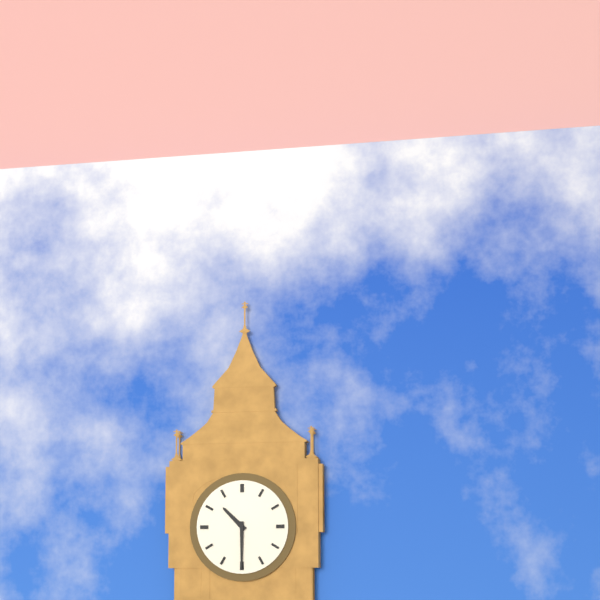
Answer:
10,30
